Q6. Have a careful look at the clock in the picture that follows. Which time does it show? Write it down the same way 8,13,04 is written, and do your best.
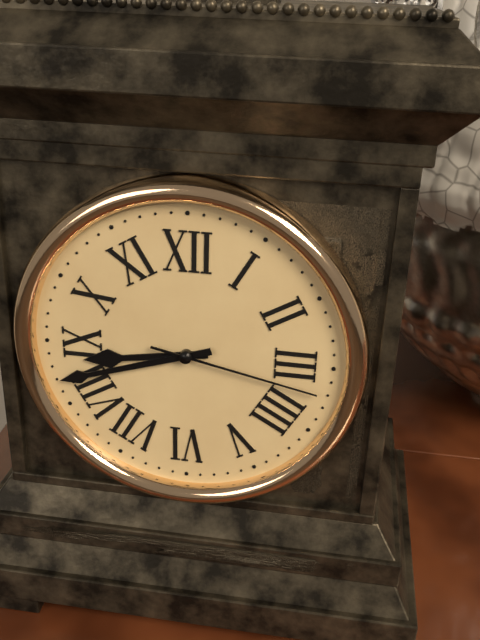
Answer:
8,42,17
